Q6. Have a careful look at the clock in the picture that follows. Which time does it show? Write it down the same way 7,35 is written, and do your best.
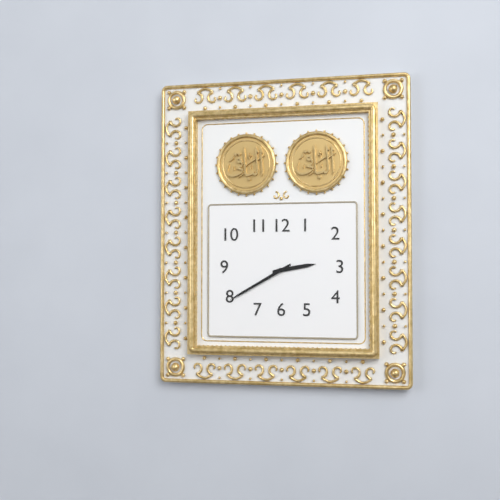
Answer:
2,40
